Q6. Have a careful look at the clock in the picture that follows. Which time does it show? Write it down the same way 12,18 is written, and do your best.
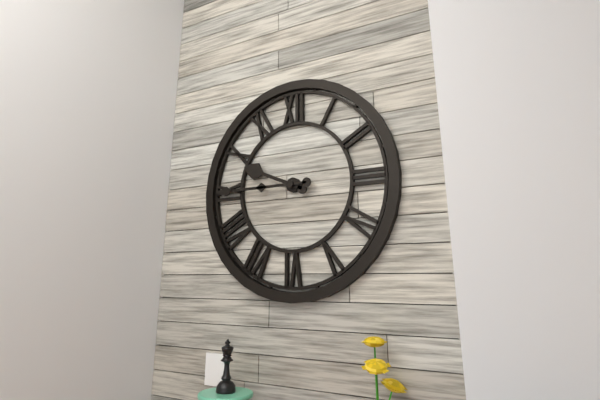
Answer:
9,45
